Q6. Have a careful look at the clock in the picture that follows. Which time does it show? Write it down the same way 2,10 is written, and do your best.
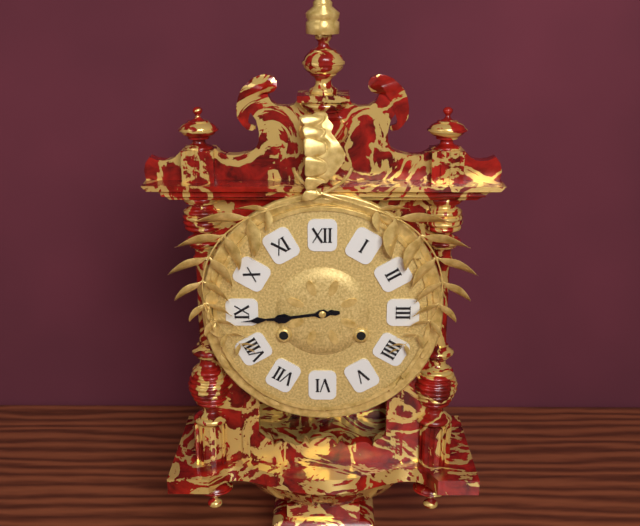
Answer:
8,44
